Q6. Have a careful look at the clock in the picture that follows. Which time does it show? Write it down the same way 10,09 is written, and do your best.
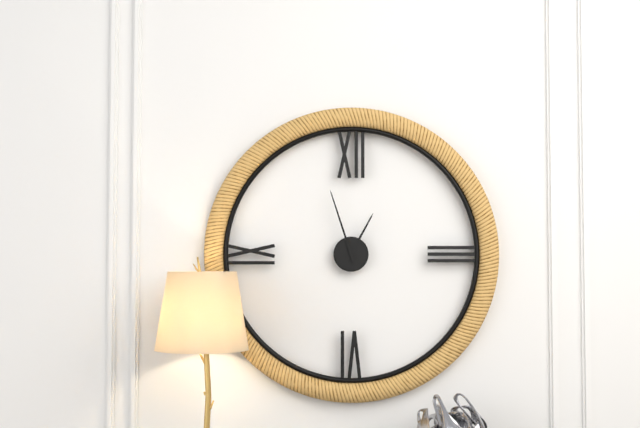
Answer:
12,57
